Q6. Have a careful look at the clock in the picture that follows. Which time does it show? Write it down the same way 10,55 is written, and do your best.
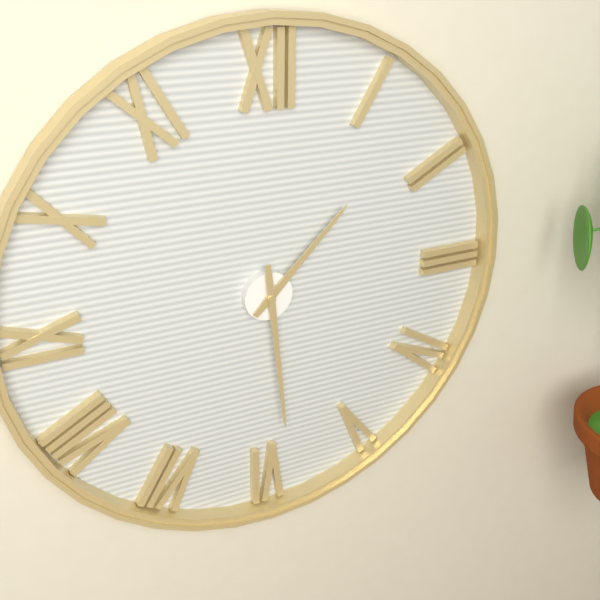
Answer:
1,29
